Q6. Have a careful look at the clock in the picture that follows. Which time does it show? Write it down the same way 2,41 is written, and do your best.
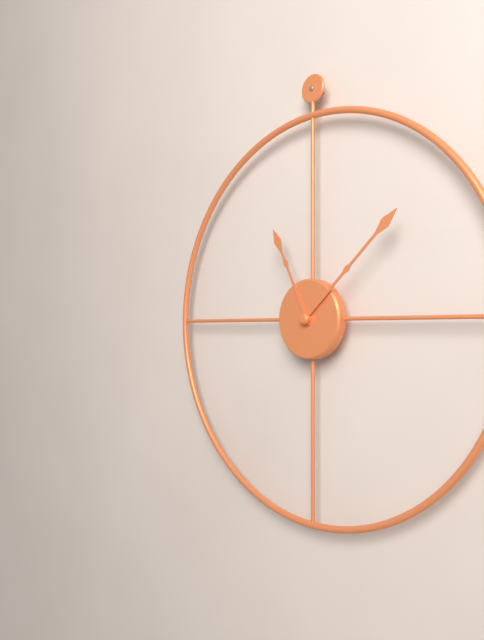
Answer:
11,08
